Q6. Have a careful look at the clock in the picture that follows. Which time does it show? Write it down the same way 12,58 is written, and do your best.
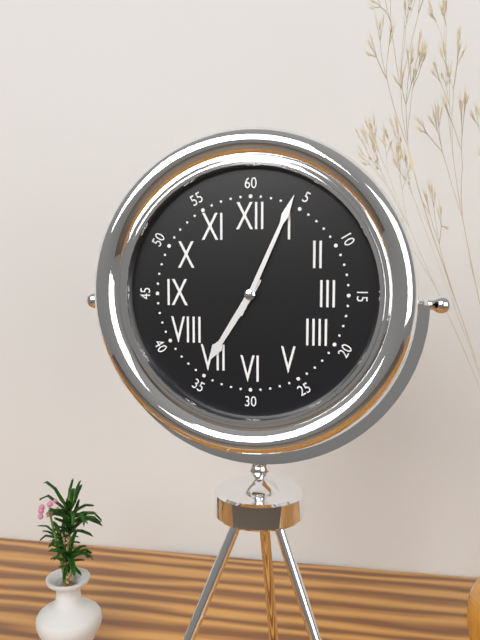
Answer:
7,04
